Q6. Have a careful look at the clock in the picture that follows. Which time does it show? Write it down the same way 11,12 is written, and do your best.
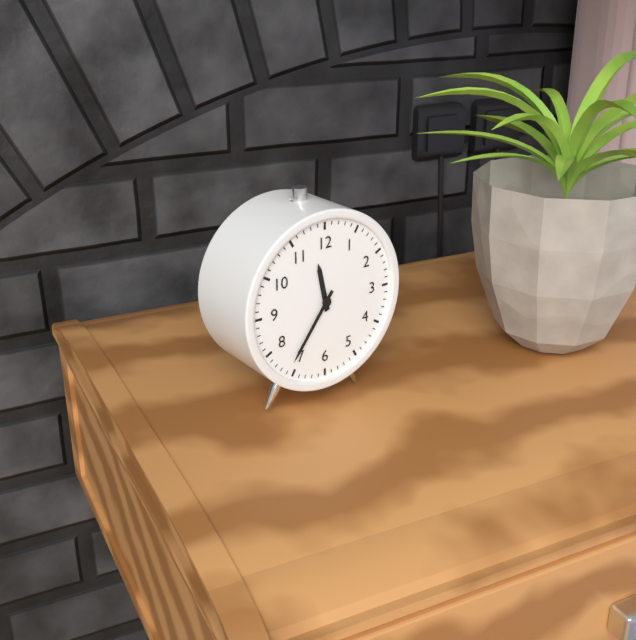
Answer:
11,36
